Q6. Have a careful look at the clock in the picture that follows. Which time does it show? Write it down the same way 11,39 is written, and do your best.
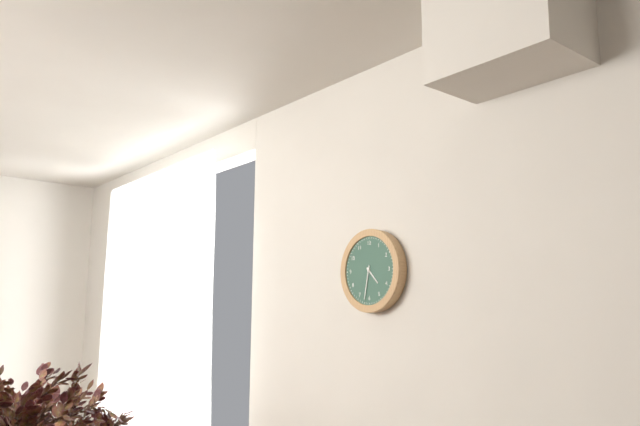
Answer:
4,32
